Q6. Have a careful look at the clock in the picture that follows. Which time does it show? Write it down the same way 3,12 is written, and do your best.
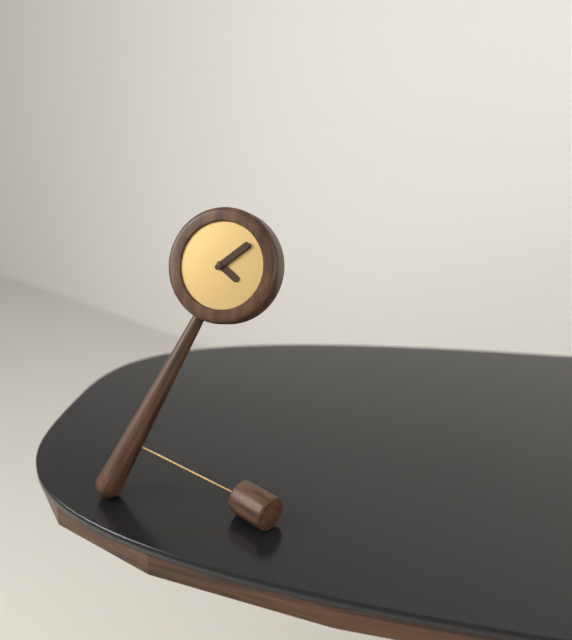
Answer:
4,08
